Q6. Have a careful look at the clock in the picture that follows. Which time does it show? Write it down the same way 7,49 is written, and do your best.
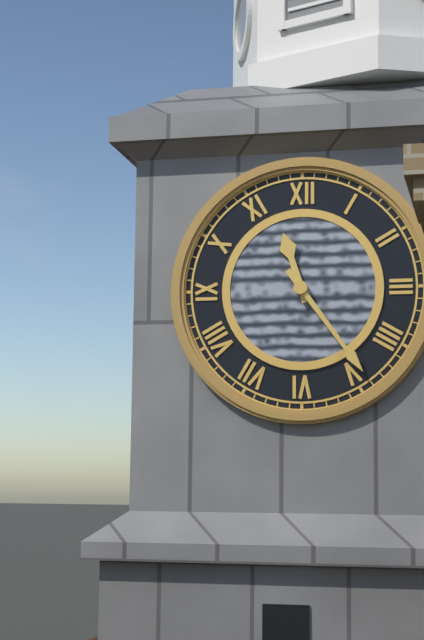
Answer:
11,24
